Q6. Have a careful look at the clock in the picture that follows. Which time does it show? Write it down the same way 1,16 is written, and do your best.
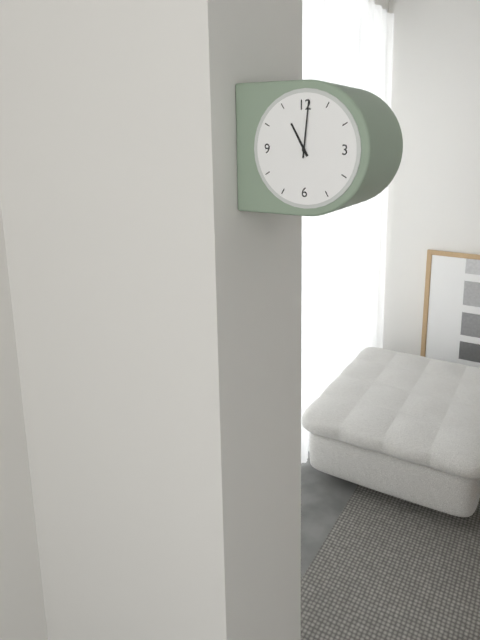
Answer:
11,01
